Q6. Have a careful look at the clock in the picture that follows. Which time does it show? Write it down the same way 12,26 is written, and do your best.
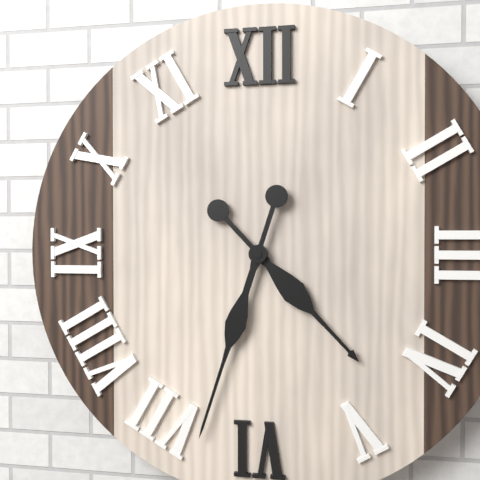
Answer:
4,33
